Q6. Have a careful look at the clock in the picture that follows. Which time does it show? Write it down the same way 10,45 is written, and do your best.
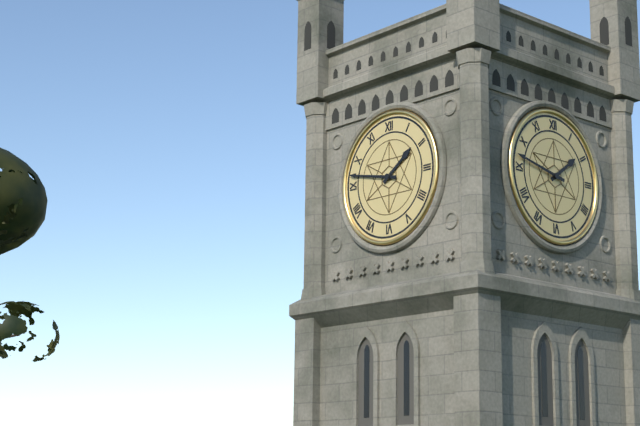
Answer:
1,47
